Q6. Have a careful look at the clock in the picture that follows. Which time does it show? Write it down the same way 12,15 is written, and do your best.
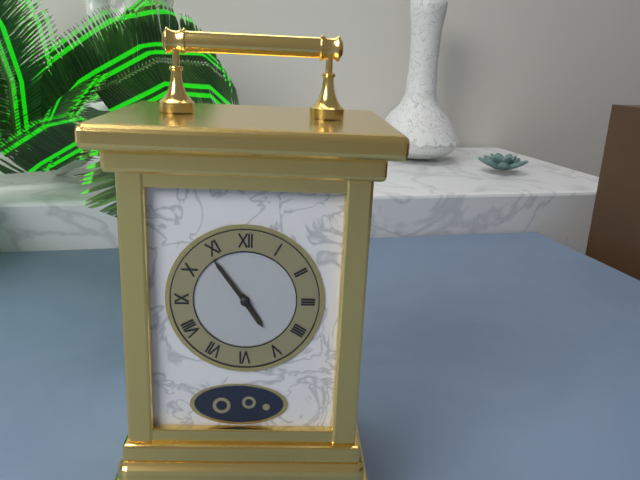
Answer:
4,54
